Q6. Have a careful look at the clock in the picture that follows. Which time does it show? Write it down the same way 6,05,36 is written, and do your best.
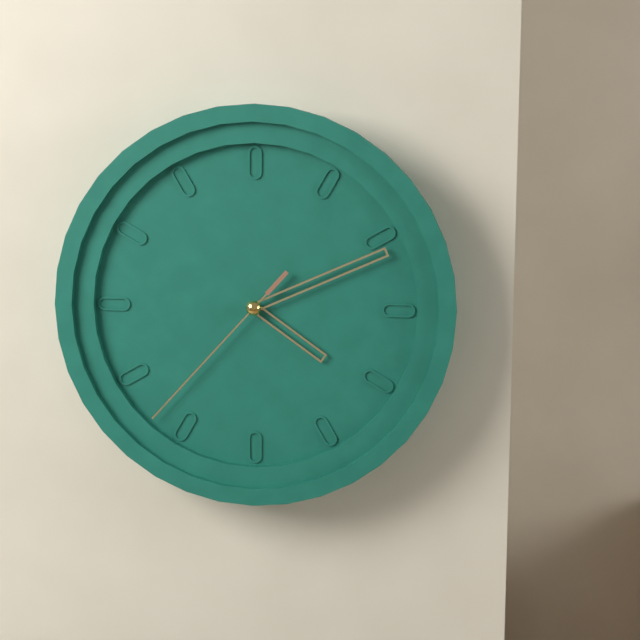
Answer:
4,11,37
